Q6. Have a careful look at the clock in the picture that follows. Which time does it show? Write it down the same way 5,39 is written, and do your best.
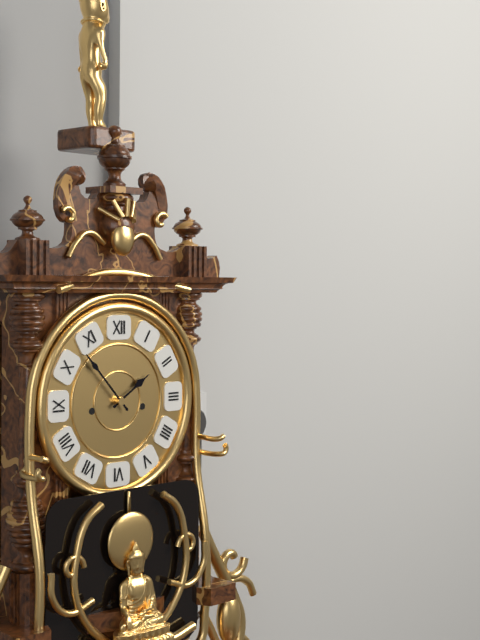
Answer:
1,53
